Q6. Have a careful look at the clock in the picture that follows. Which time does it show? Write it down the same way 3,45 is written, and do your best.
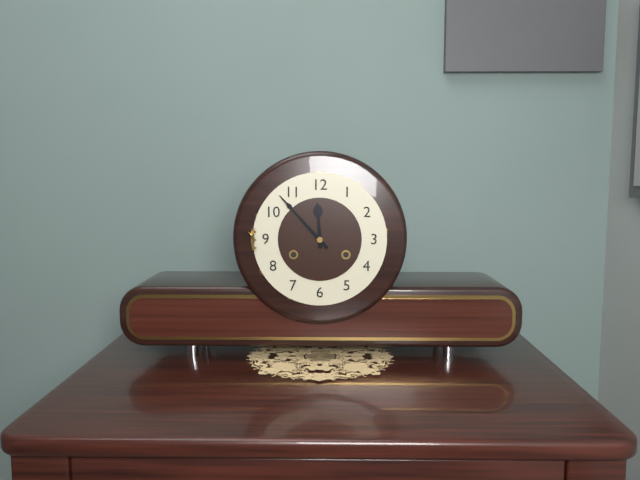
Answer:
11,53
